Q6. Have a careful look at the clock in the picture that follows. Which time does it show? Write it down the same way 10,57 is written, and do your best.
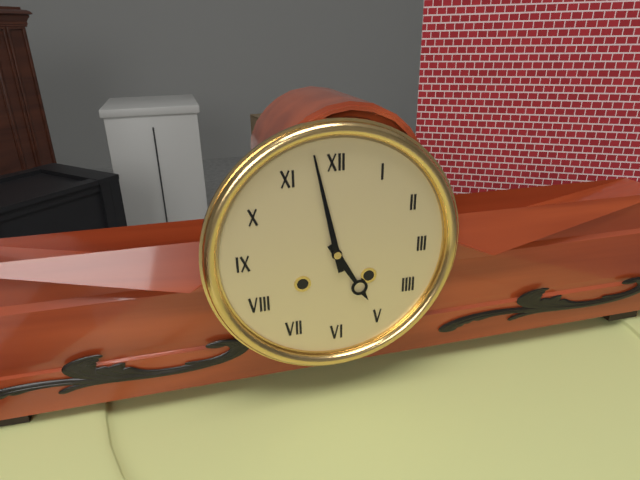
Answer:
4,58
